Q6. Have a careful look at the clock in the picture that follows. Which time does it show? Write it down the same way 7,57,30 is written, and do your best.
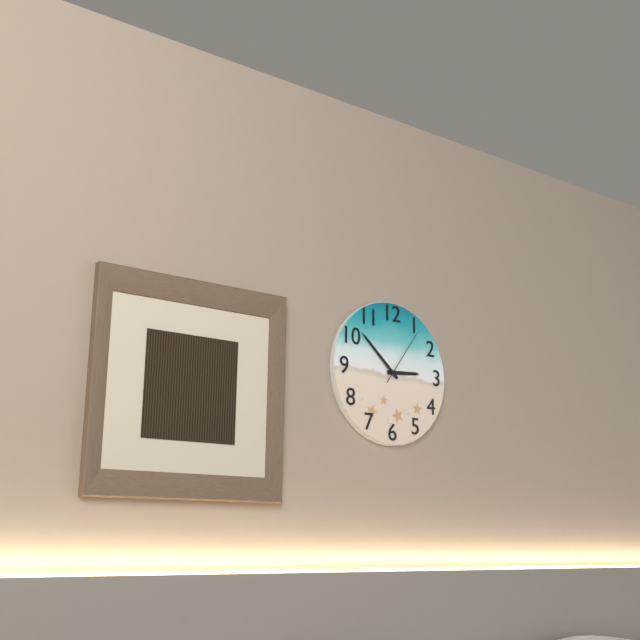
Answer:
2,52,06
